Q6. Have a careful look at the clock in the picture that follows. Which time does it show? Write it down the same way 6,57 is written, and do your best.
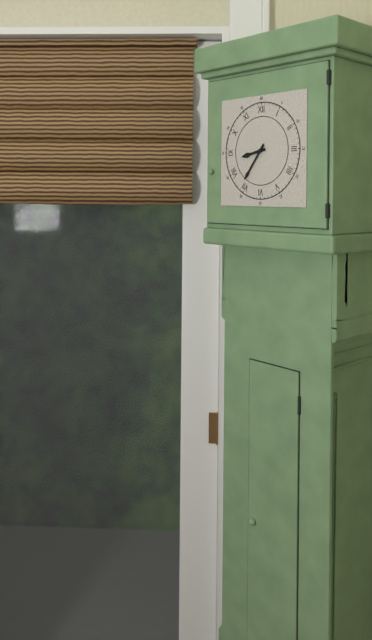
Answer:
8,36
